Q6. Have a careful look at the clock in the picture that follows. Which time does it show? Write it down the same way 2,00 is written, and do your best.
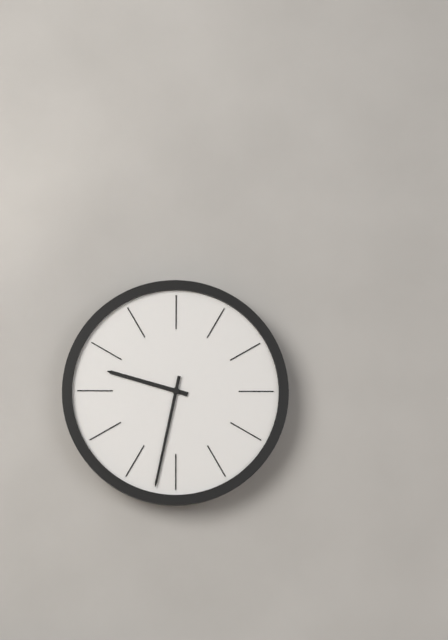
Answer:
9,32
